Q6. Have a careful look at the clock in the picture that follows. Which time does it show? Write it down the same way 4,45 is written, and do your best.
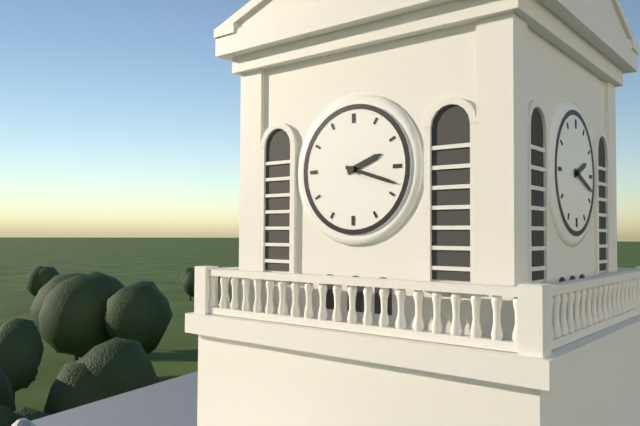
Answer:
2,18
